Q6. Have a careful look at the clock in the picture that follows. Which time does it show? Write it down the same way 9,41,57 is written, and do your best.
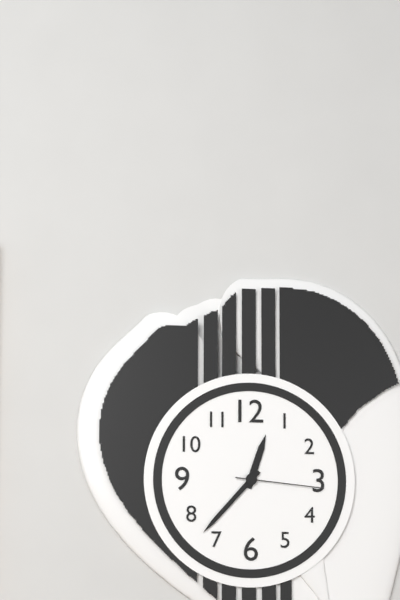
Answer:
12,37,16
